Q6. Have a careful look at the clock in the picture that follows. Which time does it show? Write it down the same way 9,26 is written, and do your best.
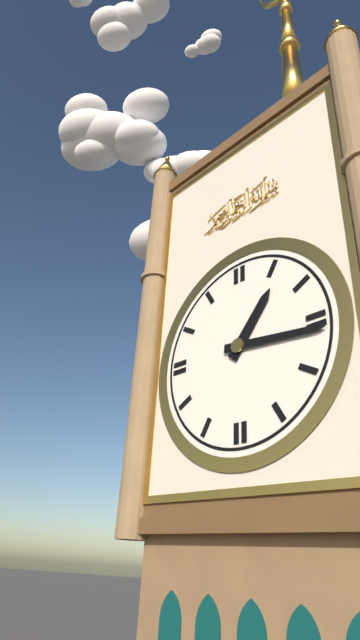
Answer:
1,16
